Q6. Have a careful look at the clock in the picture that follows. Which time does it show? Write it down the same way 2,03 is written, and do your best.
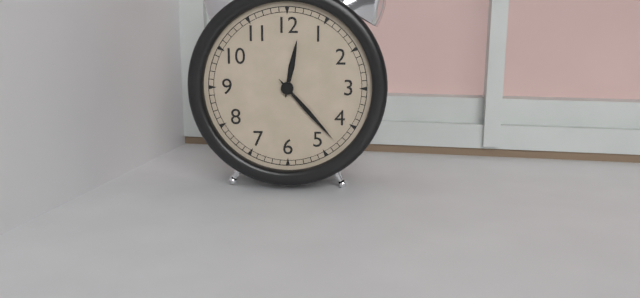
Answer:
12,23
